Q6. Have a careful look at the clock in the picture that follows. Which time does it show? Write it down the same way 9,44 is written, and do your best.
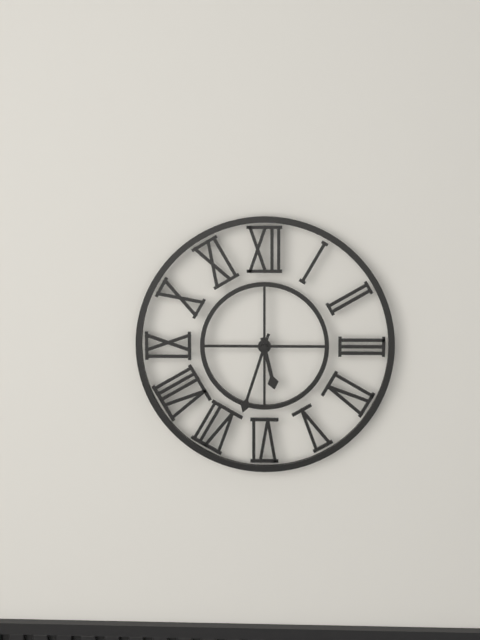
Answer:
5,33
